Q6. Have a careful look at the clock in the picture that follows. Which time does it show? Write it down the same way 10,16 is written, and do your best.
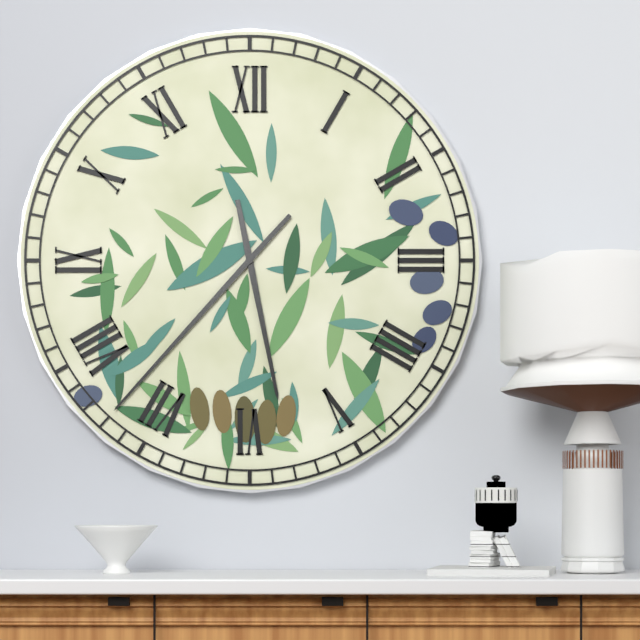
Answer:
5,37
